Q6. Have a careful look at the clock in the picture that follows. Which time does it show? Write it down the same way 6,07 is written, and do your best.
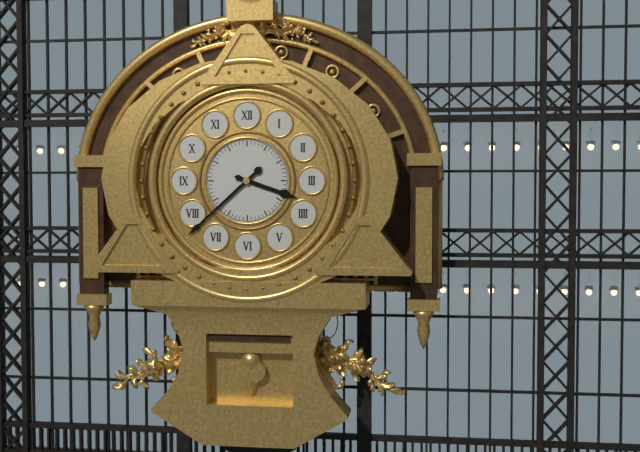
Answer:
3,38
